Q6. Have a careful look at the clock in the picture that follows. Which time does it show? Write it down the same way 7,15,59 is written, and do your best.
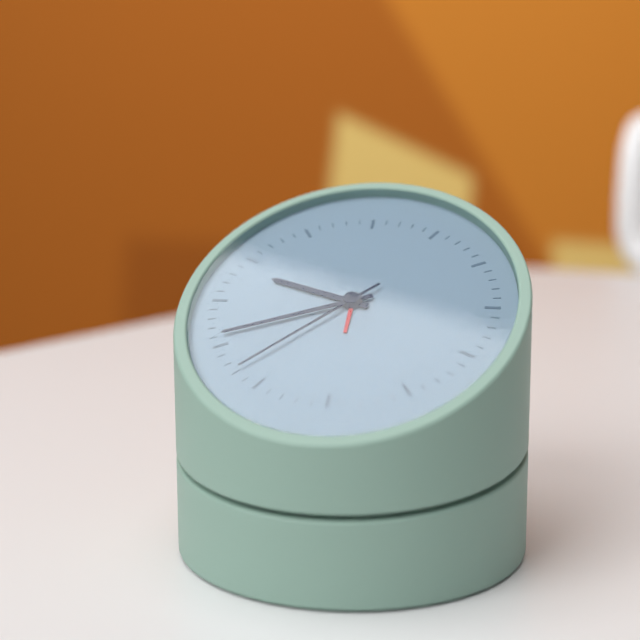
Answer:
9,41,37
